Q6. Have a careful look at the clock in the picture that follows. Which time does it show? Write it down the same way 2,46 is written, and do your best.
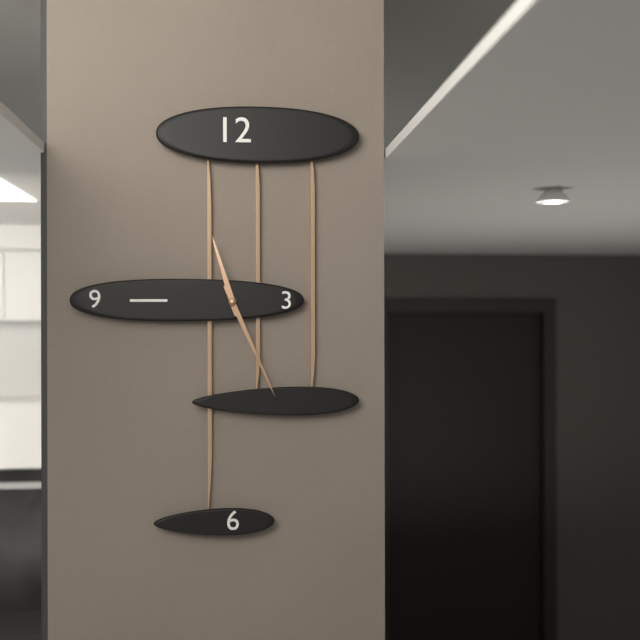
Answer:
11,26
